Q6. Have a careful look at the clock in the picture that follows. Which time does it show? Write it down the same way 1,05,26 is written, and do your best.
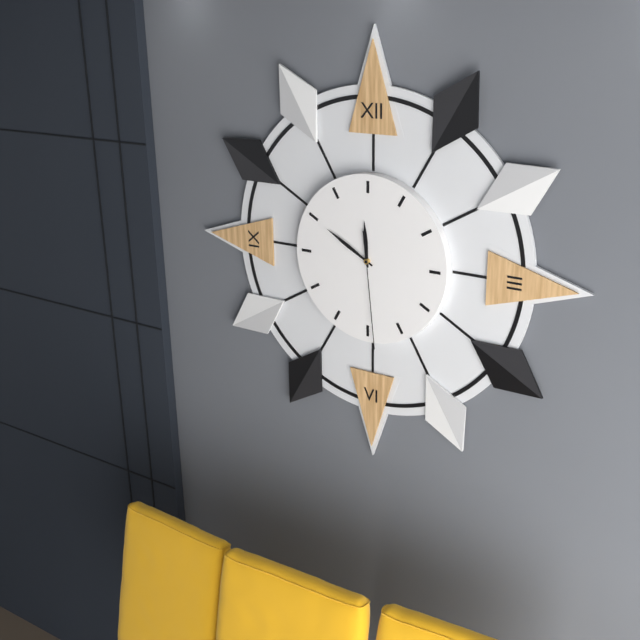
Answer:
11,50,29
